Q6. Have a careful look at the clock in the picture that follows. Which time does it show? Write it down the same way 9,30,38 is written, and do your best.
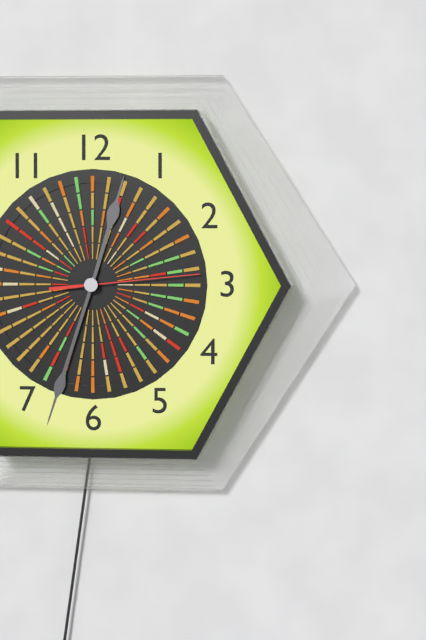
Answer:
12,33,14
